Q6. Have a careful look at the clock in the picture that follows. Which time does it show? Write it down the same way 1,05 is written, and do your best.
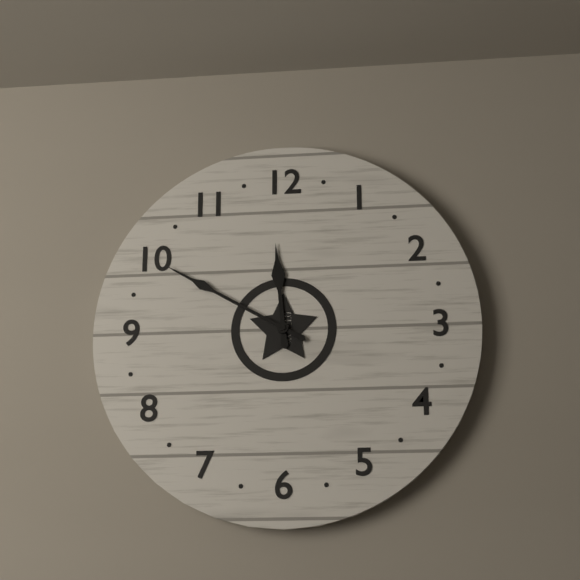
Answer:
11,50
